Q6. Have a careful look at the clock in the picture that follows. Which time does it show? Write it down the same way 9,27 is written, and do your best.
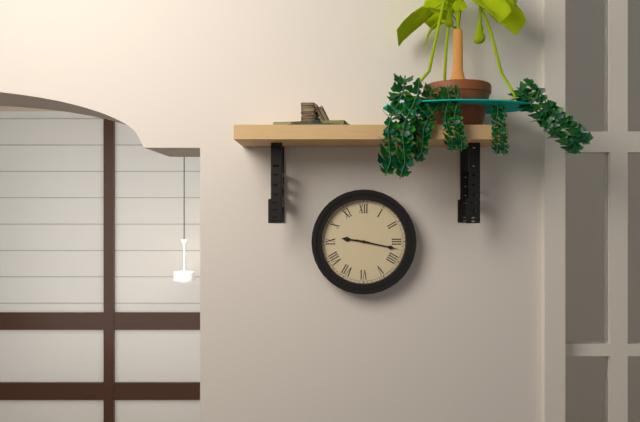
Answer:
9,17
